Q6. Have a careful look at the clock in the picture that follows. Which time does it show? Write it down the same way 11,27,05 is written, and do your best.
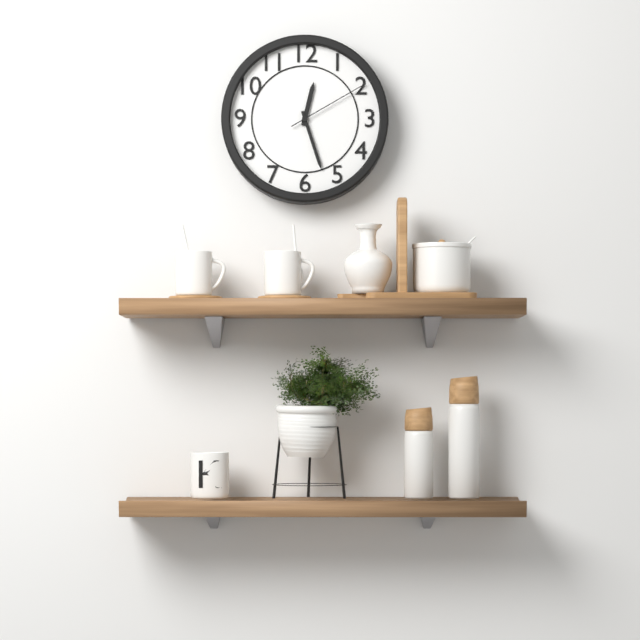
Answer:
12,27,10
